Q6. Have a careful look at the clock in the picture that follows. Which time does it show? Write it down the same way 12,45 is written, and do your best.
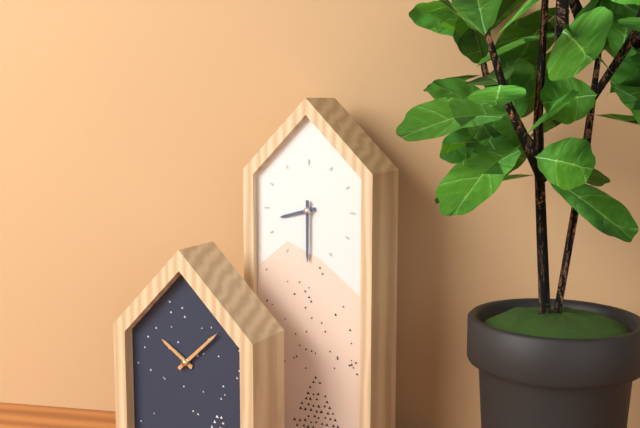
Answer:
8,30
